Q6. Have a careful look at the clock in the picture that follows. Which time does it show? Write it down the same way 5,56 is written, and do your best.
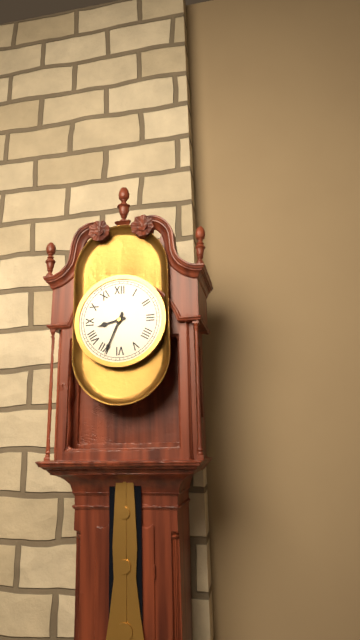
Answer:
8,34
